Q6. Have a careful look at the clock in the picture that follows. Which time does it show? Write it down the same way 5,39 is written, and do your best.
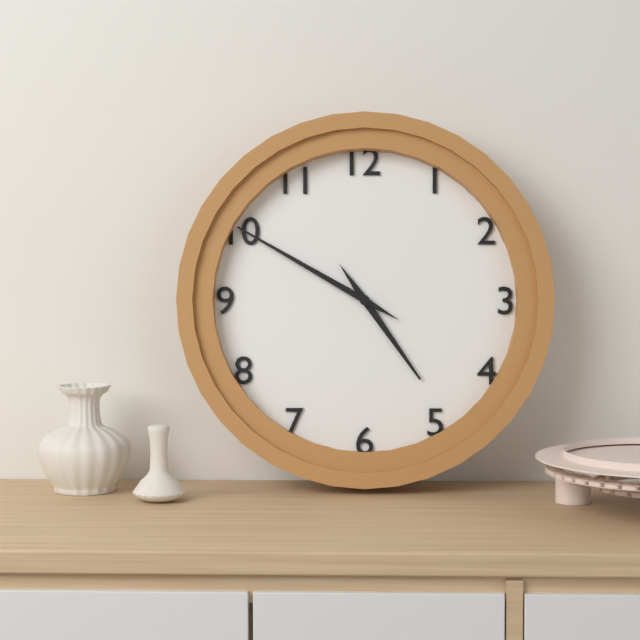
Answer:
4,50
